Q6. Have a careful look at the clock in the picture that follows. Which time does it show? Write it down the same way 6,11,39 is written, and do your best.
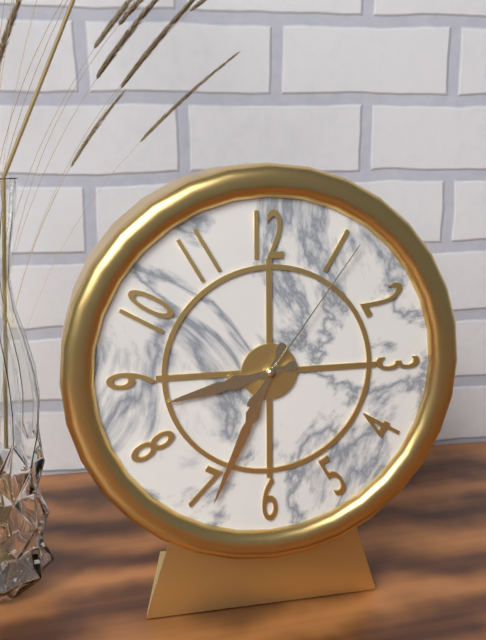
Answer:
8,34,06
